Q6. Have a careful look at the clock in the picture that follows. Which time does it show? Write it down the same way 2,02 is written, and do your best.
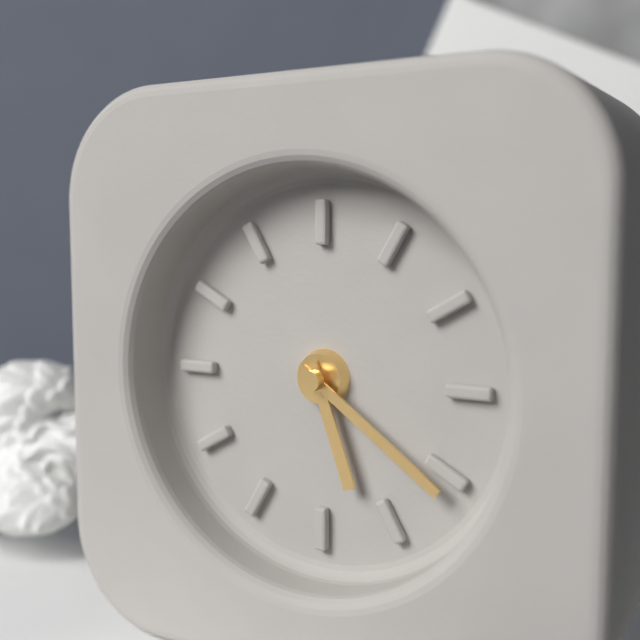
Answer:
5,21
